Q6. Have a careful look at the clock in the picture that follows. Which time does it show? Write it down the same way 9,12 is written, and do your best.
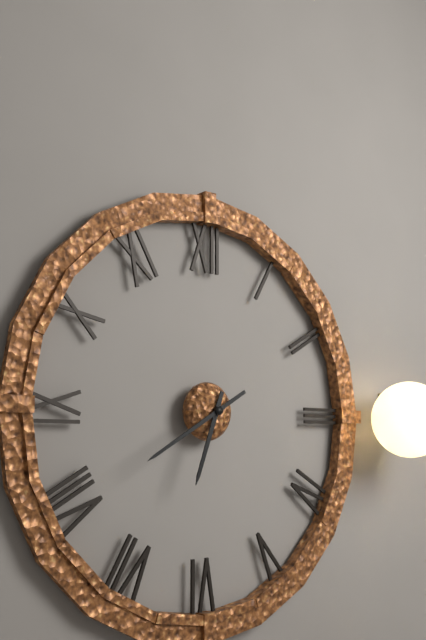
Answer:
6,40
